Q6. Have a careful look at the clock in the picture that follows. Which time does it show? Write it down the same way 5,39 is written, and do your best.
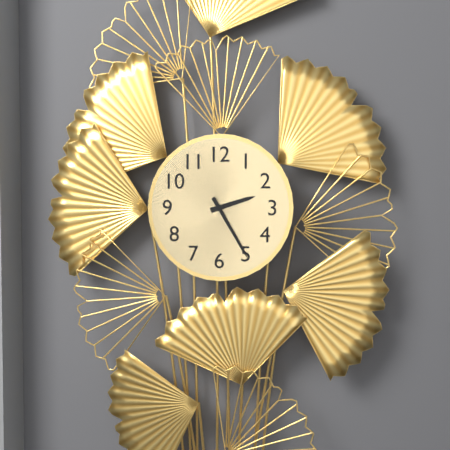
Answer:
2,25
